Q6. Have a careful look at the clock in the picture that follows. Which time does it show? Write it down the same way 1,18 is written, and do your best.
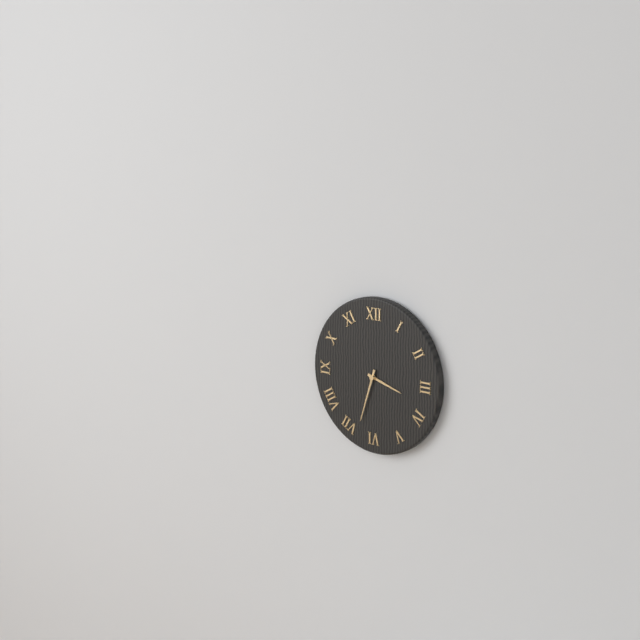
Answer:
3,33
